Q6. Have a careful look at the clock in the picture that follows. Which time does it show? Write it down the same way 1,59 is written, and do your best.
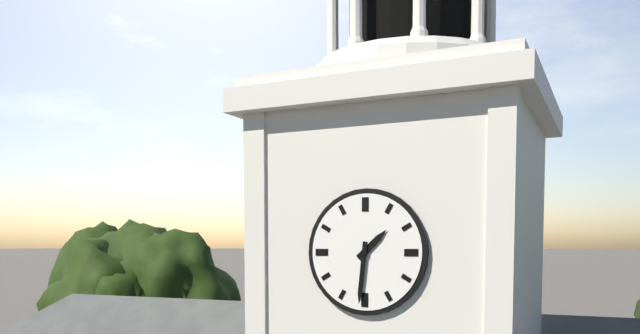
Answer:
1,31
